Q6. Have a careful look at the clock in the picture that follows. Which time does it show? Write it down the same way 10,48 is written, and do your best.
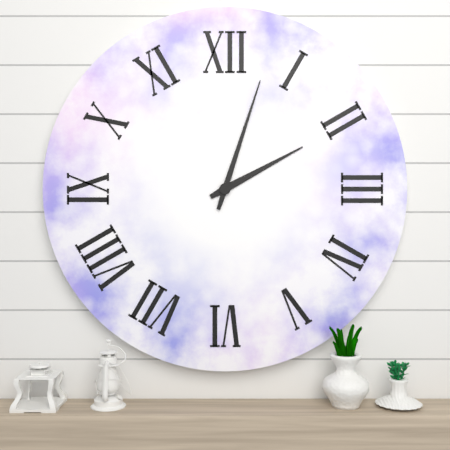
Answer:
2,03
